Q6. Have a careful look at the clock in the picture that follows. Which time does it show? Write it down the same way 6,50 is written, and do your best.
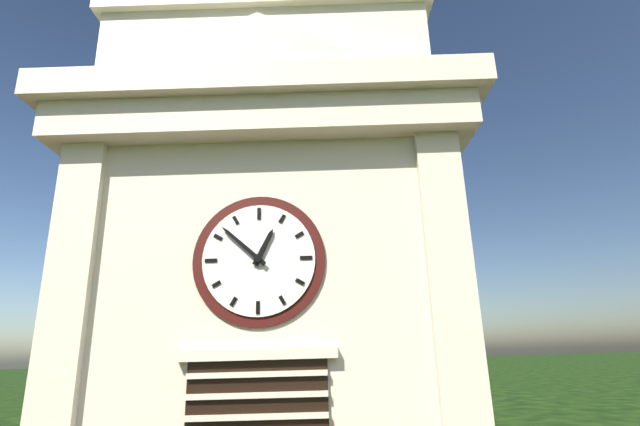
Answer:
12,52
